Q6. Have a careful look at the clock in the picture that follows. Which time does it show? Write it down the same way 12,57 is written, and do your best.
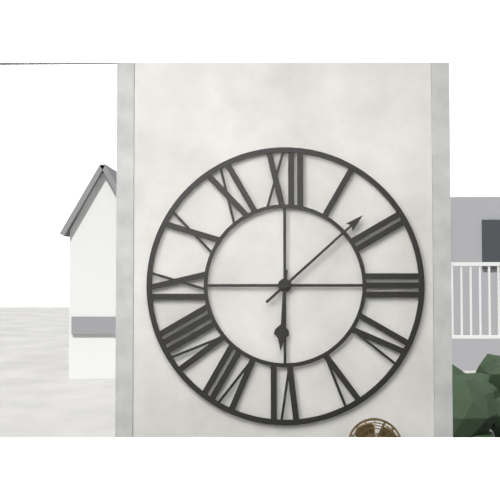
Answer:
6,08
